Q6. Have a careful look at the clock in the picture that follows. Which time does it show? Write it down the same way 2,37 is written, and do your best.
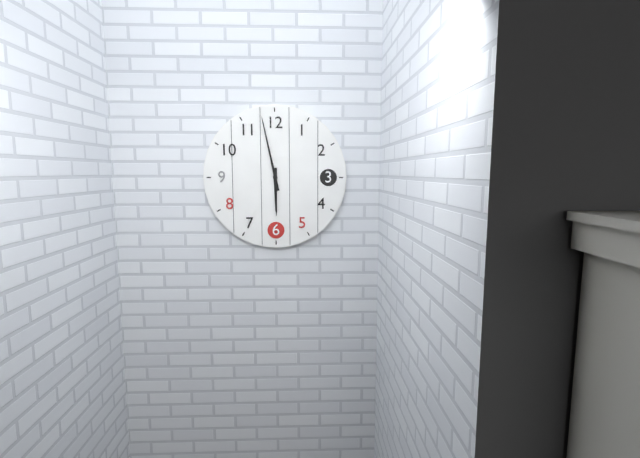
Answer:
5,58
